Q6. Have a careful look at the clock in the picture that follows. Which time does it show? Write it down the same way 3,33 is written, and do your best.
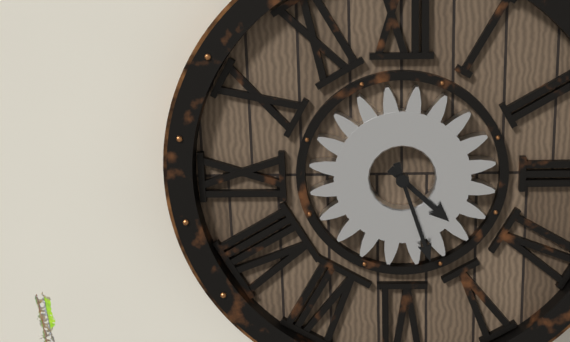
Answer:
4,27
